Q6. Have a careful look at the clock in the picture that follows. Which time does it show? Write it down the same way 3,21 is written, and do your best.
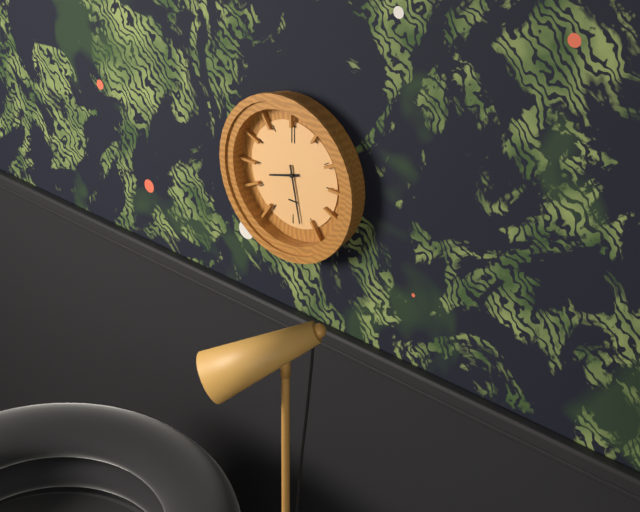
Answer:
8,28
